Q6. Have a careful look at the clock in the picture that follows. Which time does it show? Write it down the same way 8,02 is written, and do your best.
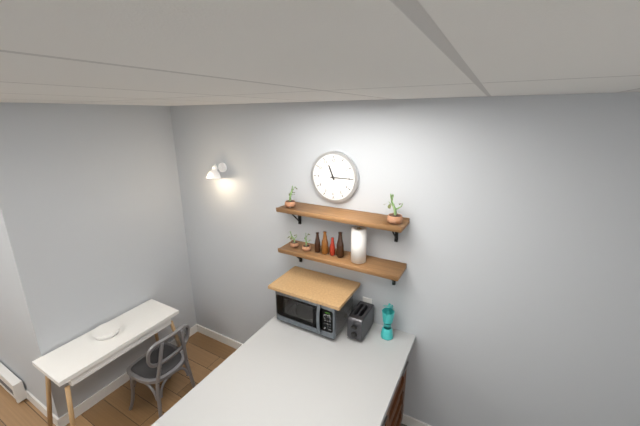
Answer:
11,15
